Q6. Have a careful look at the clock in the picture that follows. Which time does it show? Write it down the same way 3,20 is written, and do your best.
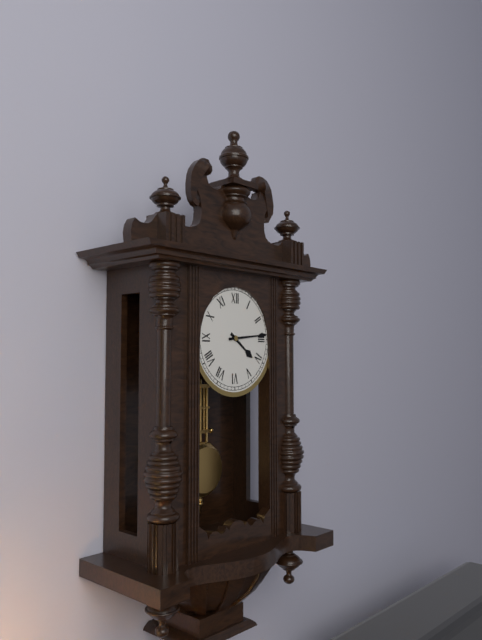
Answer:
4,14
